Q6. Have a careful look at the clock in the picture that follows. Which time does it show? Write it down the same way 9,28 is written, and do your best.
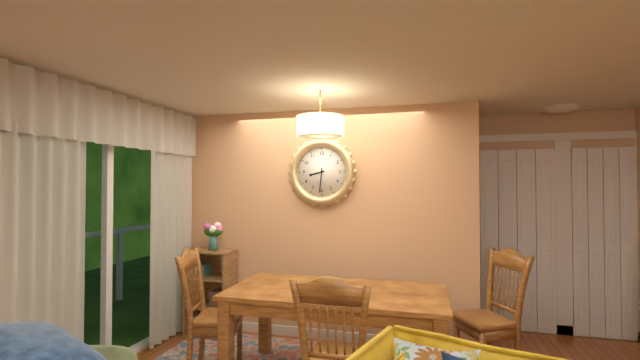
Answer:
8,31
